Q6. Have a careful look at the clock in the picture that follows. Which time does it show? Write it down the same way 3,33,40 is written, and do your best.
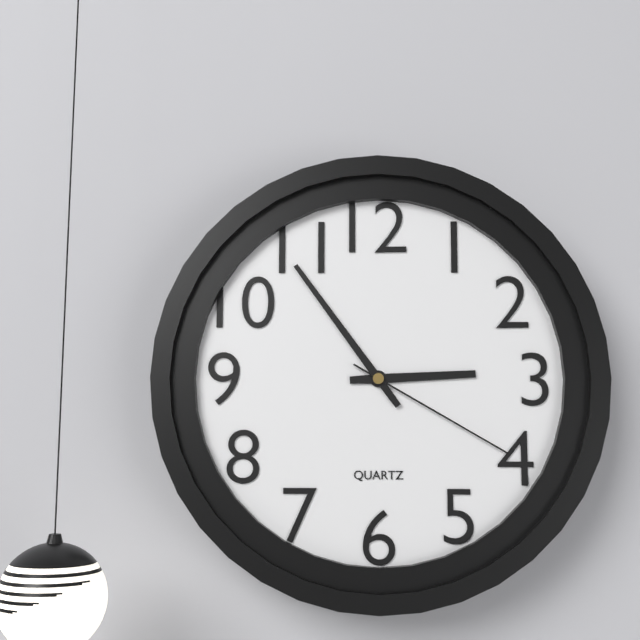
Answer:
2,54,20
